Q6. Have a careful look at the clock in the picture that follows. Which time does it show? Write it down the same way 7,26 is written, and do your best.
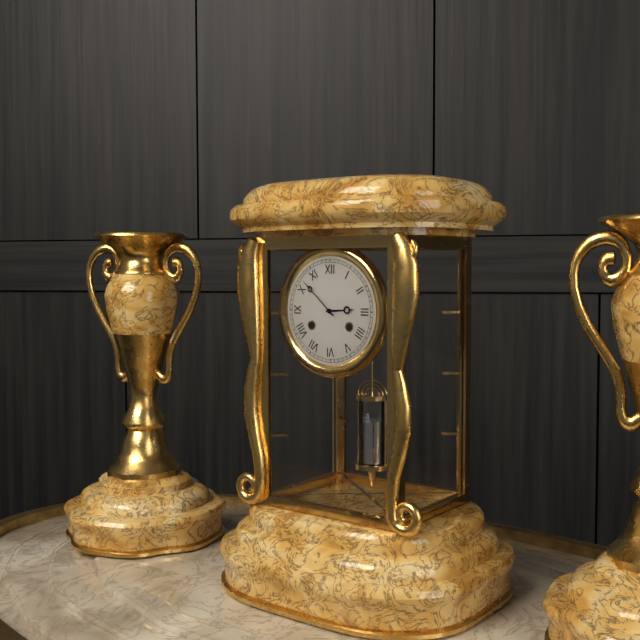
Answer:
2,52
